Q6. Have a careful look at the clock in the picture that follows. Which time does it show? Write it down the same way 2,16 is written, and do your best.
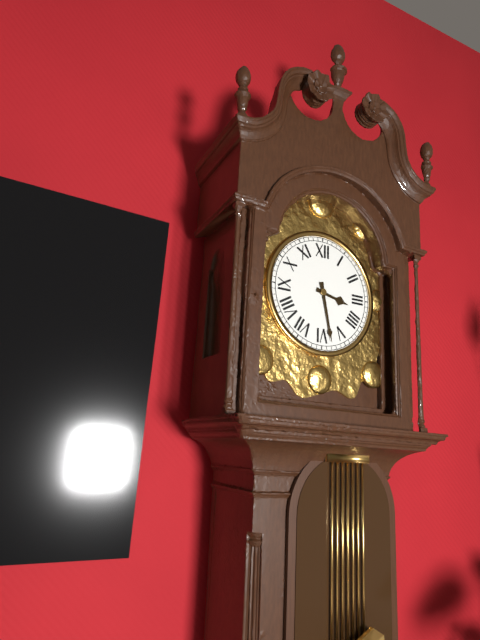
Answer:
3,28
